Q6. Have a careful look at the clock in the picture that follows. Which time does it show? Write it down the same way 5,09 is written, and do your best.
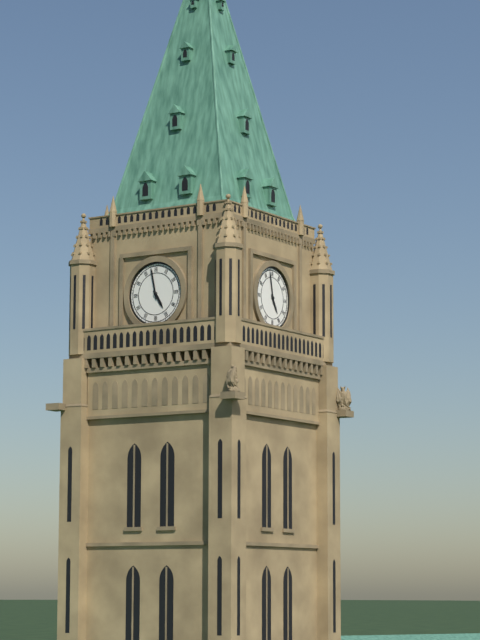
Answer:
4,58
